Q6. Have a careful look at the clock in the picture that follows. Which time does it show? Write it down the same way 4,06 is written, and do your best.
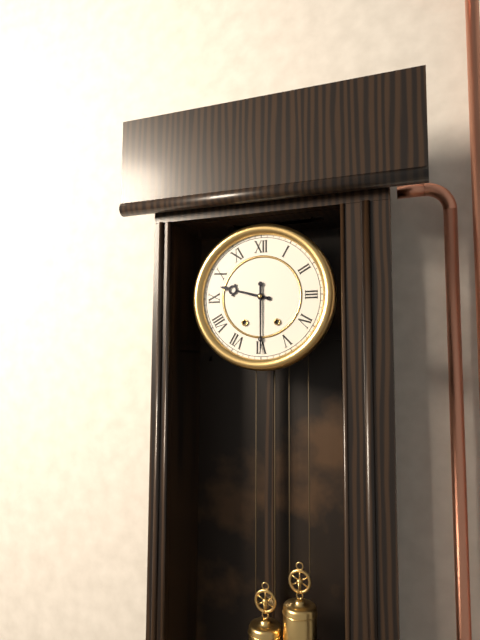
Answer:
9,30
